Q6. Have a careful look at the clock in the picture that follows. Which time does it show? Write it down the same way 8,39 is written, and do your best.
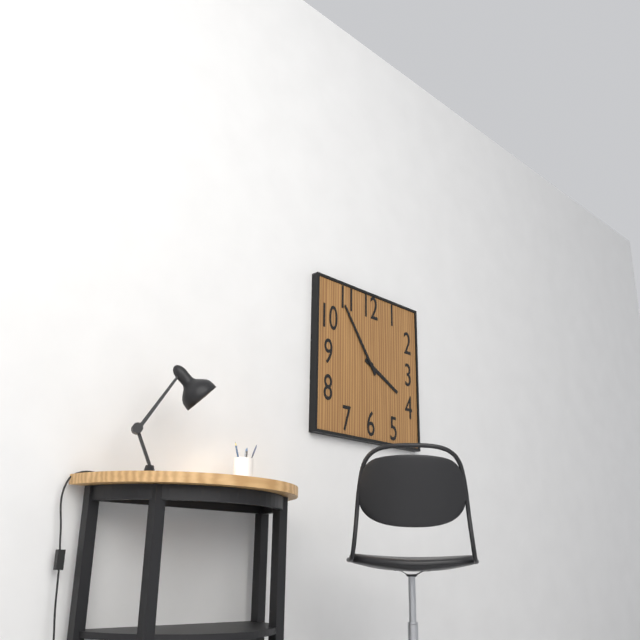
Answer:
3,54
